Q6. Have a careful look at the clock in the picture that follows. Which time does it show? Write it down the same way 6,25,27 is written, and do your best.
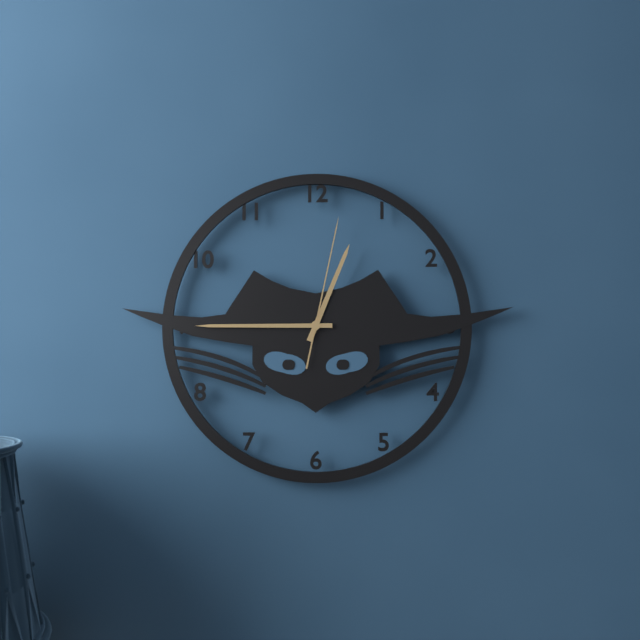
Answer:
12,45,02
